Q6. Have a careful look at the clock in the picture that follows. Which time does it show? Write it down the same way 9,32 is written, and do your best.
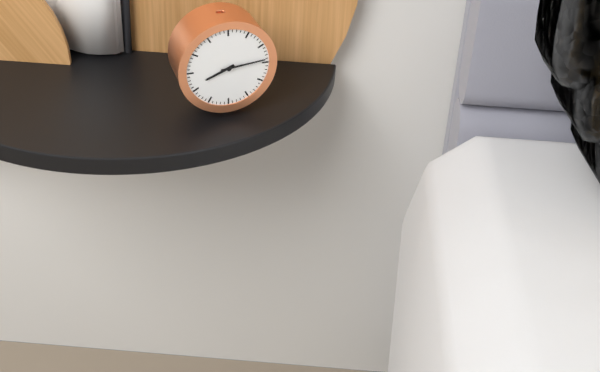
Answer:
8,14
